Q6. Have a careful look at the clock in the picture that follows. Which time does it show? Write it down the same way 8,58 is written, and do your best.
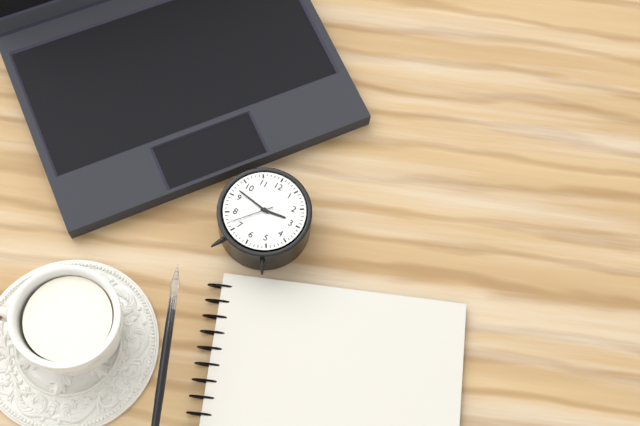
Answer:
2,47
